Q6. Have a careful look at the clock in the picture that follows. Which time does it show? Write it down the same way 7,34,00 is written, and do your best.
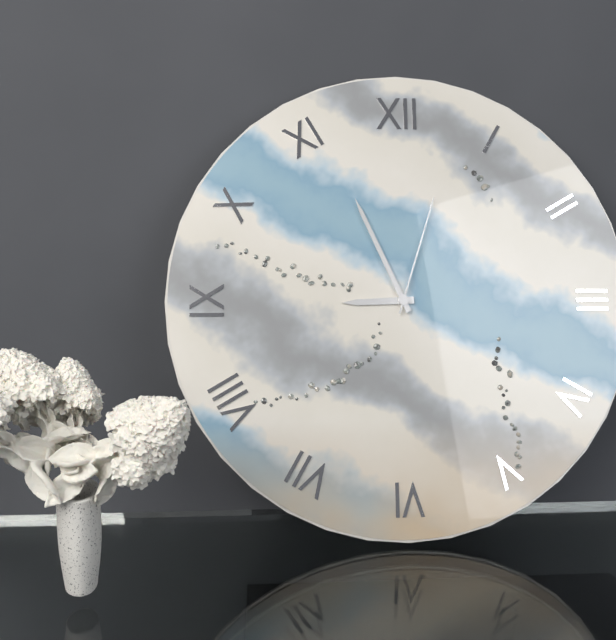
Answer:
8,56,03
